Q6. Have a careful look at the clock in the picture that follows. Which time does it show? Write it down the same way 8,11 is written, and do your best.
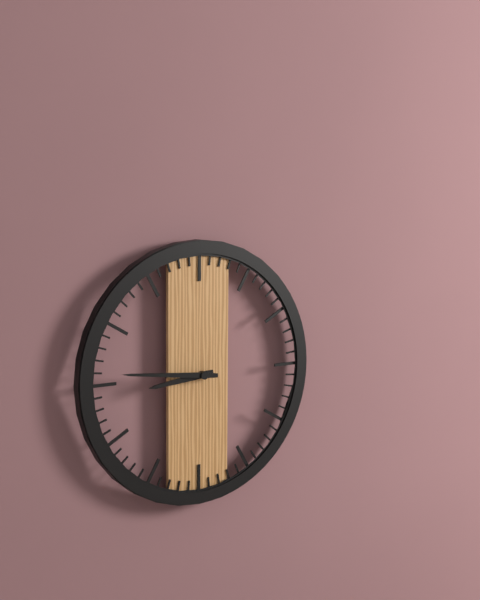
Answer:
8,46
